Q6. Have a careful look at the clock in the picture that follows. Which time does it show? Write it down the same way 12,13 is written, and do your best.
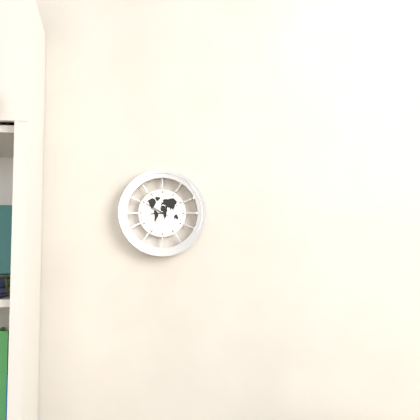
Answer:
8,50
